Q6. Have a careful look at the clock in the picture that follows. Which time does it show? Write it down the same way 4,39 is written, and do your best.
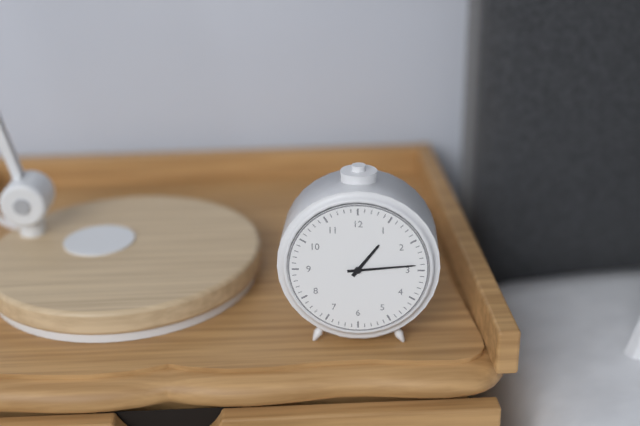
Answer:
1,14
